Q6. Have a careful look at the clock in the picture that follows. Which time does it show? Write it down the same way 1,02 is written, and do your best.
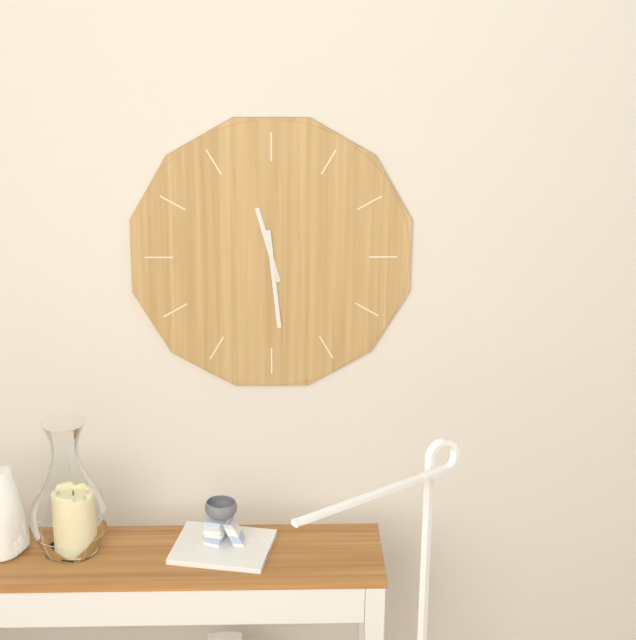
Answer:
11,29
